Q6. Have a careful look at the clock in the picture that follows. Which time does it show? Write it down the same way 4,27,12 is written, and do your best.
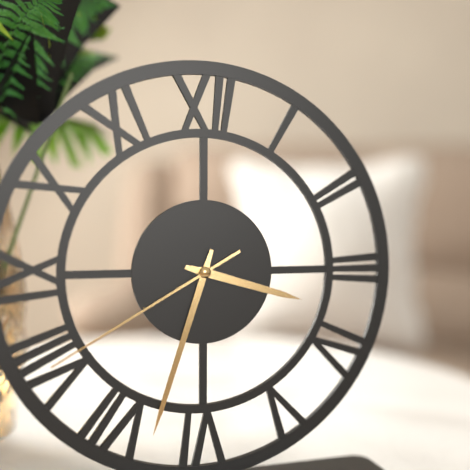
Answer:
3,33,40
